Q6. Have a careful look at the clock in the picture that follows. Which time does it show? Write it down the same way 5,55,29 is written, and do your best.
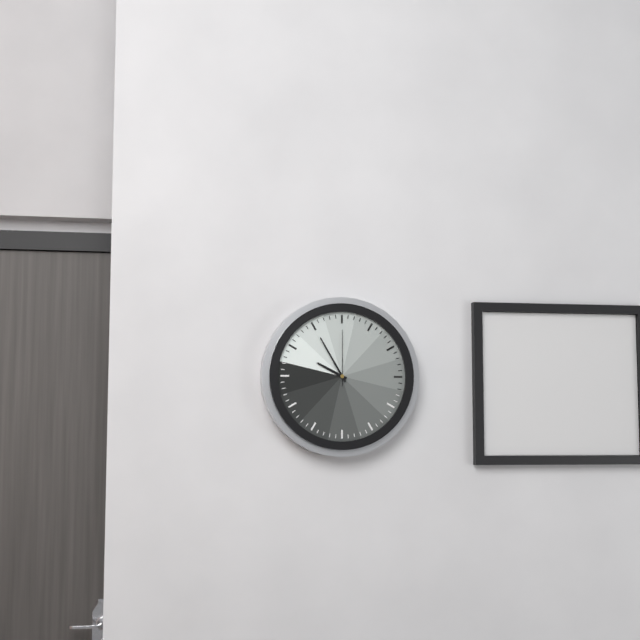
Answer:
9,55,00
